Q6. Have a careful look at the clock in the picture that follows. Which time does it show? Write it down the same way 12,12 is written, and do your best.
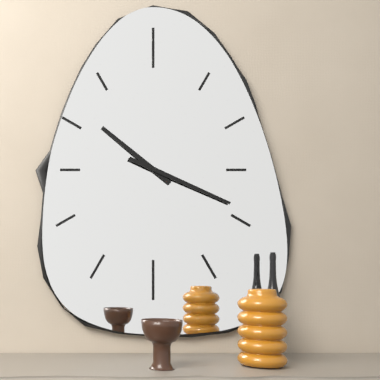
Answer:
10,19
